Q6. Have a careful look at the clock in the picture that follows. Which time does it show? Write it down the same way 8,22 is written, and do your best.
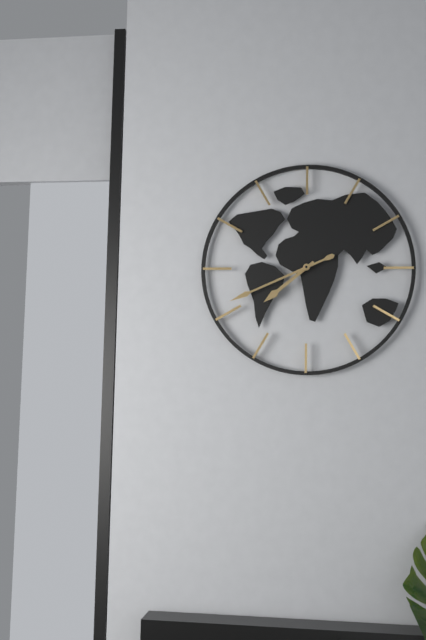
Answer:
7,41
